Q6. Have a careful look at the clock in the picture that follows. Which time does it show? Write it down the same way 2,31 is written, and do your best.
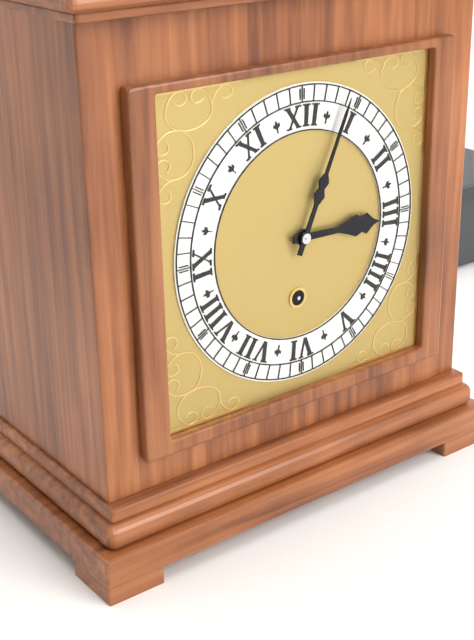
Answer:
3,04
